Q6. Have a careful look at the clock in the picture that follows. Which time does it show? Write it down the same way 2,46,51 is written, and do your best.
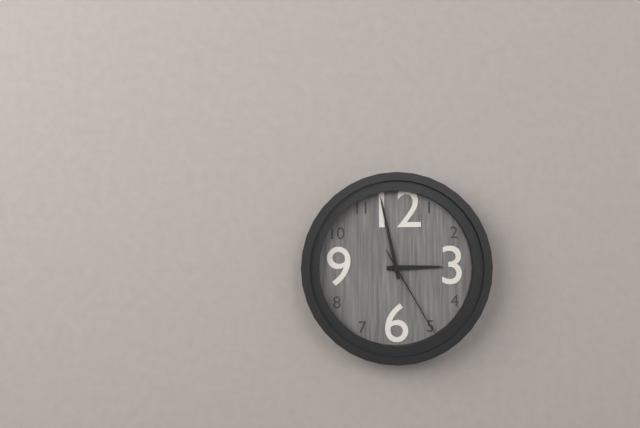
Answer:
2,58,25
